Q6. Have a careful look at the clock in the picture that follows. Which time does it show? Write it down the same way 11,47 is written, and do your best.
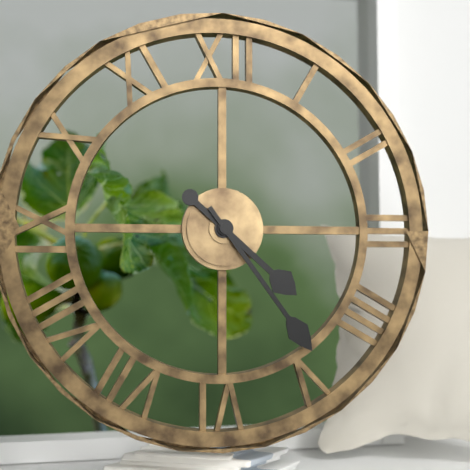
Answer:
4,24
